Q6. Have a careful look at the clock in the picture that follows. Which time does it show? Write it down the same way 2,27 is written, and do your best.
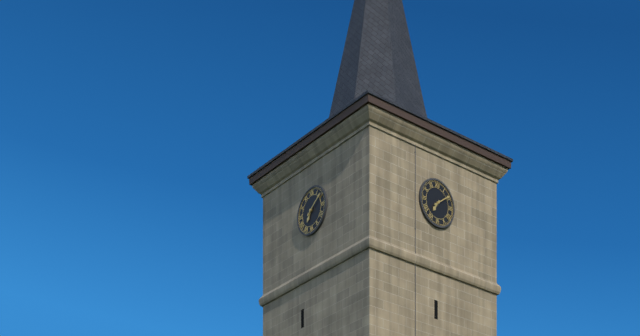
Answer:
7,09
